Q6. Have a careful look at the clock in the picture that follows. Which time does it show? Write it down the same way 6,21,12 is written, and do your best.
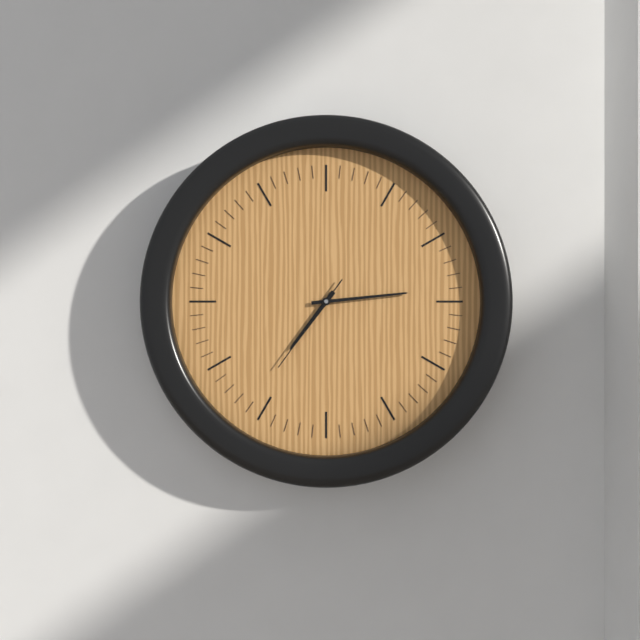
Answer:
7,14,36
